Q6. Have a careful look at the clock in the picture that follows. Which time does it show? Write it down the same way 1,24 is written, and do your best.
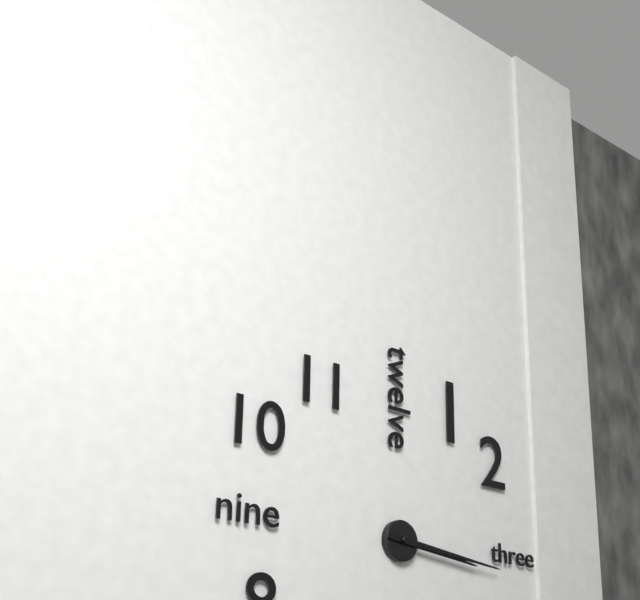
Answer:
3,16
